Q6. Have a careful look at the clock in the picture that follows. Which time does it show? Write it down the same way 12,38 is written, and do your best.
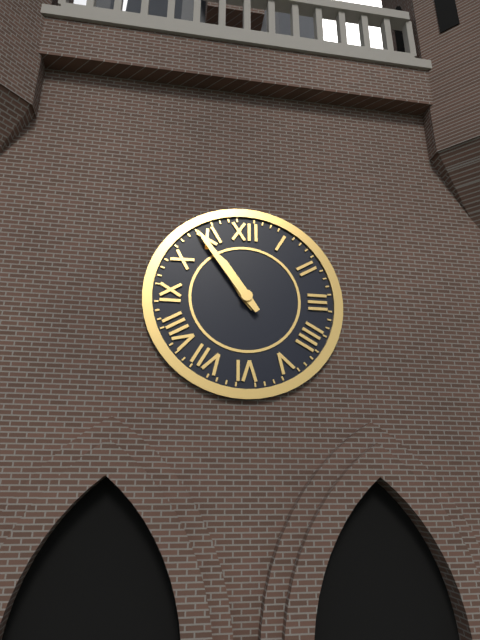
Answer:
10,54
